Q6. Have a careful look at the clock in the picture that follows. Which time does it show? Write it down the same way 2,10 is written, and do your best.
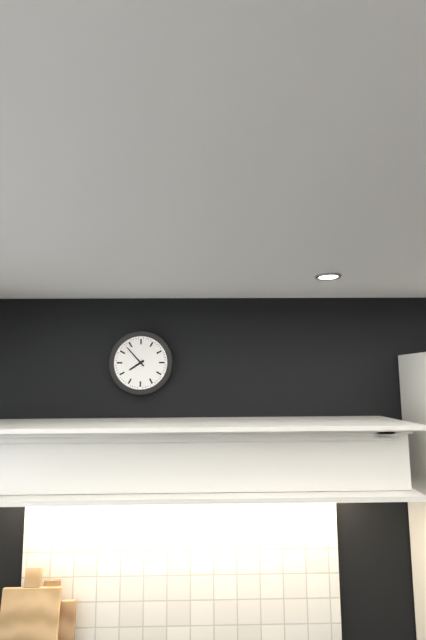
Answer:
7,53
